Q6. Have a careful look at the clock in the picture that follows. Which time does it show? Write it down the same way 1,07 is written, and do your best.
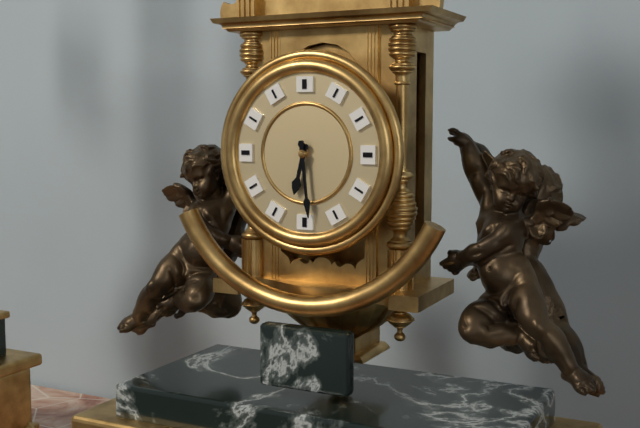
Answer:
6,29
